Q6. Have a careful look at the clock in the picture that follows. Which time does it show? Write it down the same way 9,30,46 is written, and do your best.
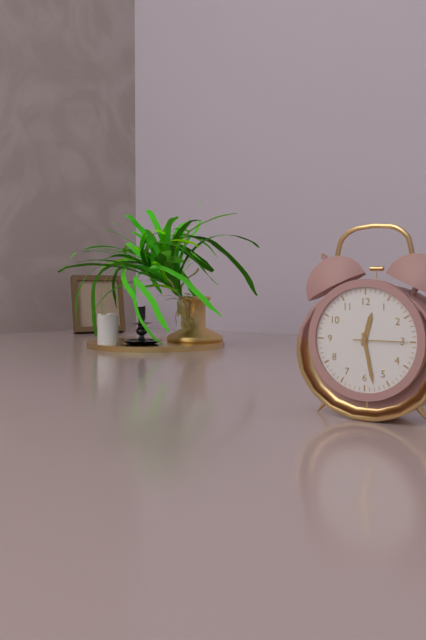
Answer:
12,28,15
